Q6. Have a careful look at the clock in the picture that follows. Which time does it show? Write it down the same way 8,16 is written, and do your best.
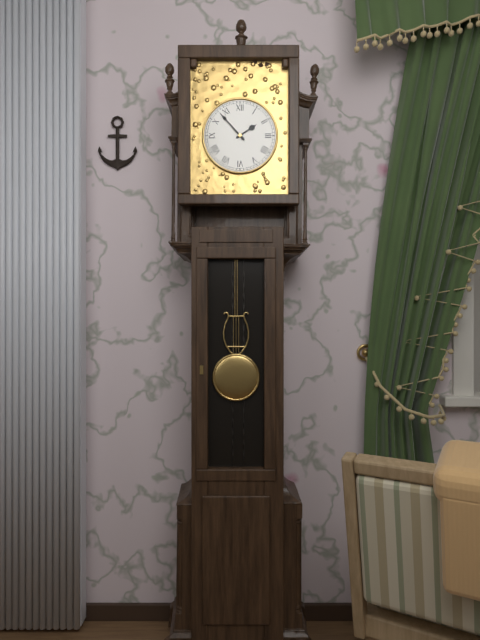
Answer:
1,53
